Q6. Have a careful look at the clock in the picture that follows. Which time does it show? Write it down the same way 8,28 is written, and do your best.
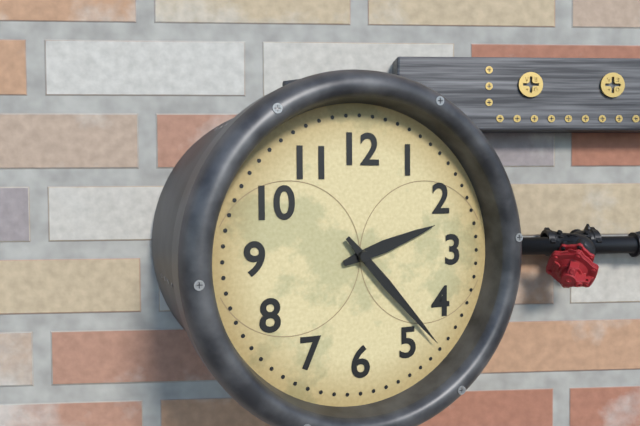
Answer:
2,23
